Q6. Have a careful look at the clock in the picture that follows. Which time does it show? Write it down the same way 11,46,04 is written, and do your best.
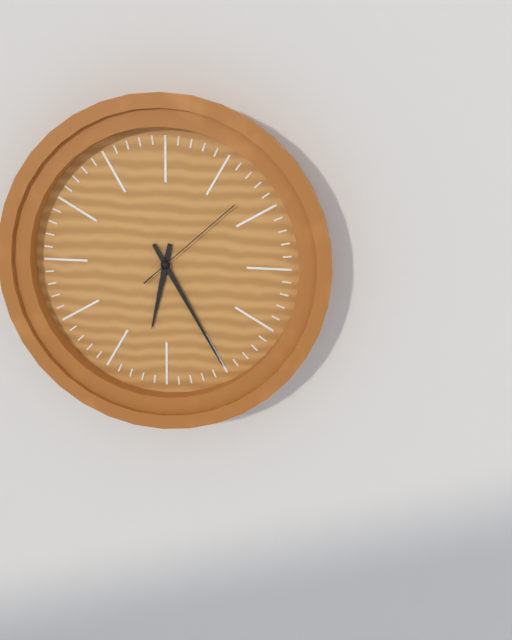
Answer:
6,25,08
